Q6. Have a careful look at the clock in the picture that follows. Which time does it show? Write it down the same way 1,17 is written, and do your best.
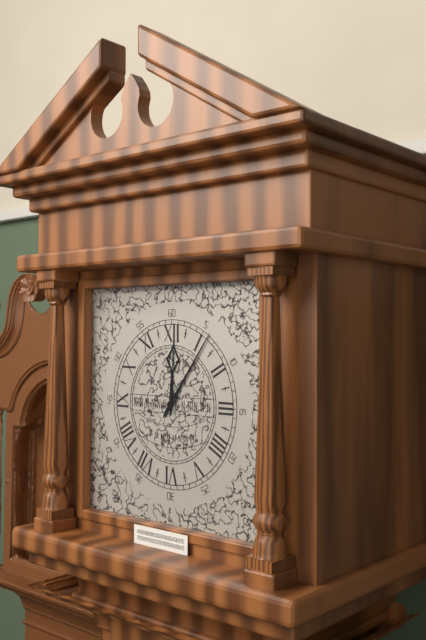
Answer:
12,06
